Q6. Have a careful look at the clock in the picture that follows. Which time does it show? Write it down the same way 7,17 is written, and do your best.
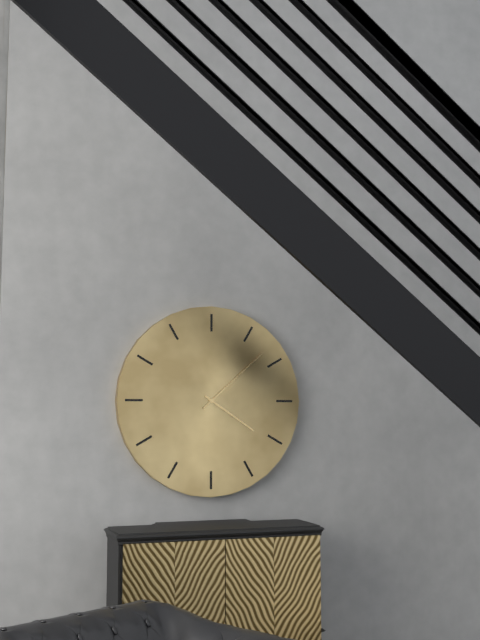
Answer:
4,08
